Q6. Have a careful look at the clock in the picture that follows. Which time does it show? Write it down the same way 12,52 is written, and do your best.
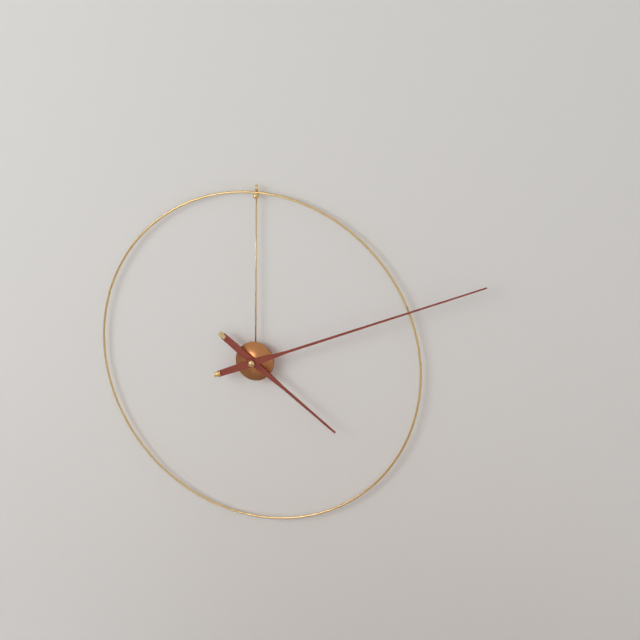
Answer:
4,11
